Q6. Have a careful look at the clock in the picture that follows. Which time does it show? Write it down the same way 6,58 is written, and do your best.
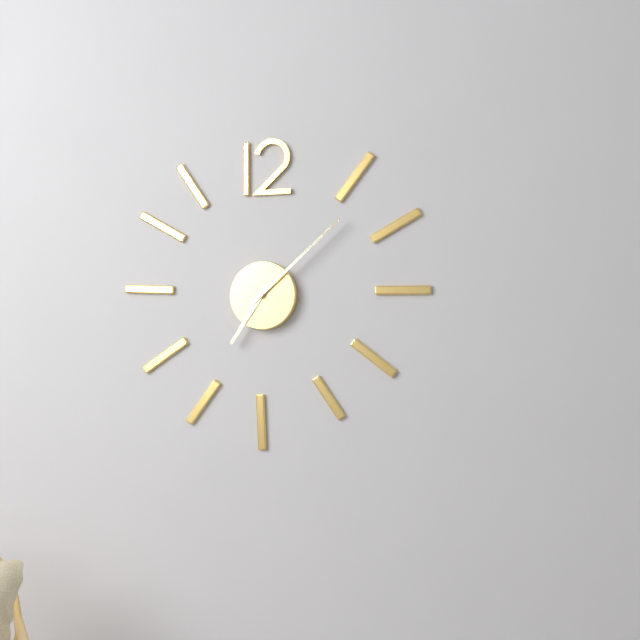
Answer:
7,08
